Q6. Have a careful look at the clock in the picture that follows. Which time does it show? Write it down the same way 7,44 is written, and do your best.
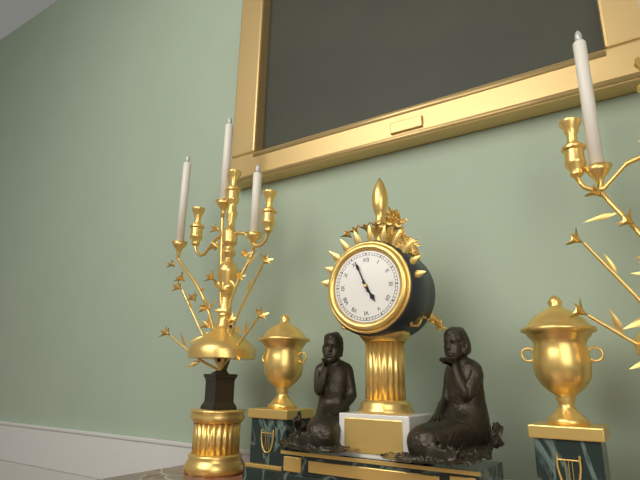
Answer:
4,56
